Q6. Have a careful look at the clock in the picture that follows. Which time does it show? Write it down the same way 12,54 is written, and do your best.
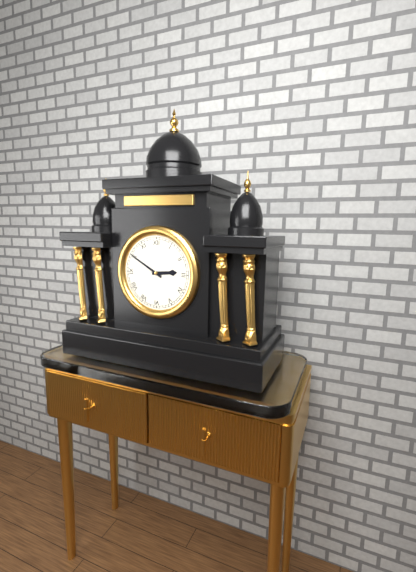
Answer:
2,50
